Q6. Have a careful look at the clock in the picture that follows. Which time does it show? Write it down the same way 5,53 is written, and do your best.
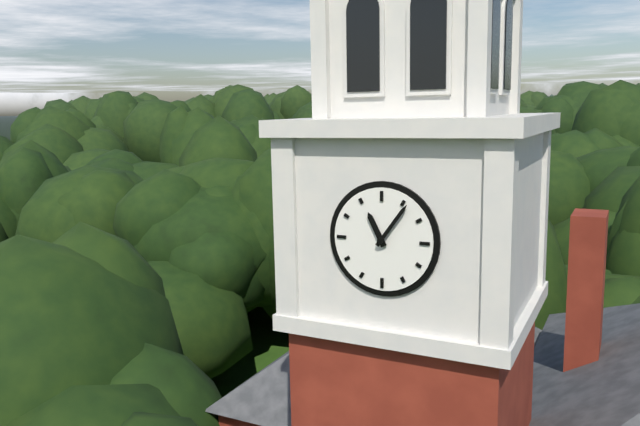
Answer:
11,06
